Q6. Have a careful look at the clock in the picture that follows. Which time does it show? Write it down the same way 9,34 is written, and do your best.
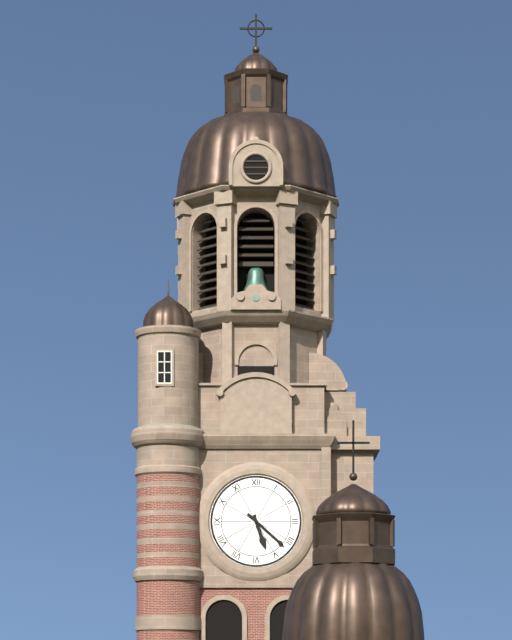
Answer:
5,22
